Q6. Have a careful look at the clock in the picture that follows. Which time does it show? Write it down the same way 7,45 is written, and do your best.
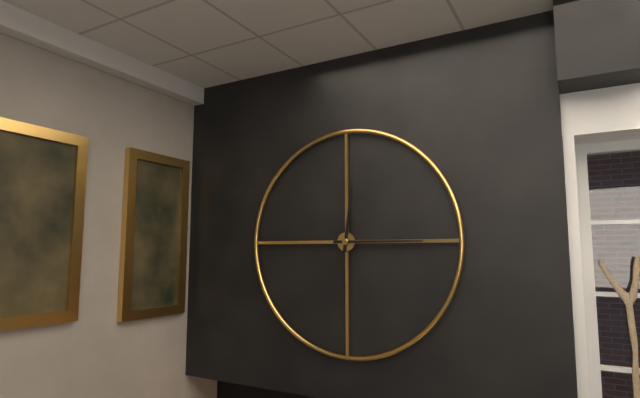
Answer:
12,15
